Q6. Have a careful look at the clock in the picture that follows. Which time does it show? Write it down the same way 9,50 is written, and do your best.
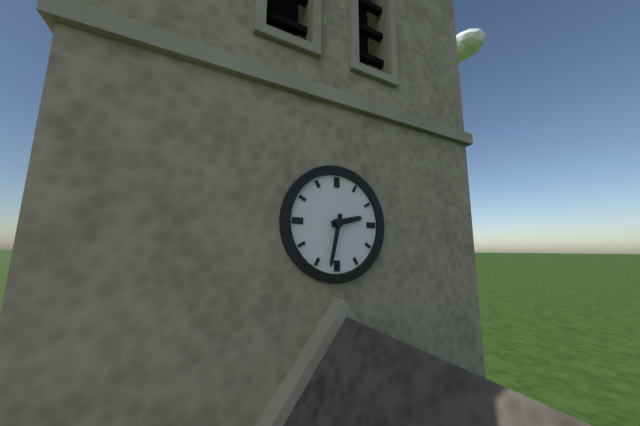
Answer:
2,32
